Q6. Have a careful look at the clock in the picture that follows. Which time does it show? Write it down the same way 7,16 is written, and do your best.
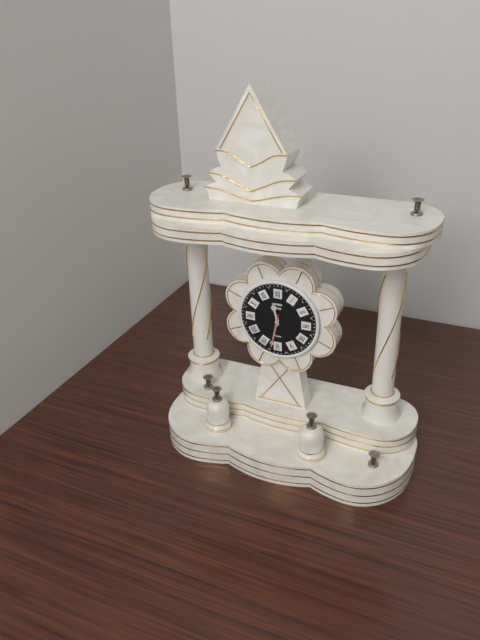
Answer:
11,32
